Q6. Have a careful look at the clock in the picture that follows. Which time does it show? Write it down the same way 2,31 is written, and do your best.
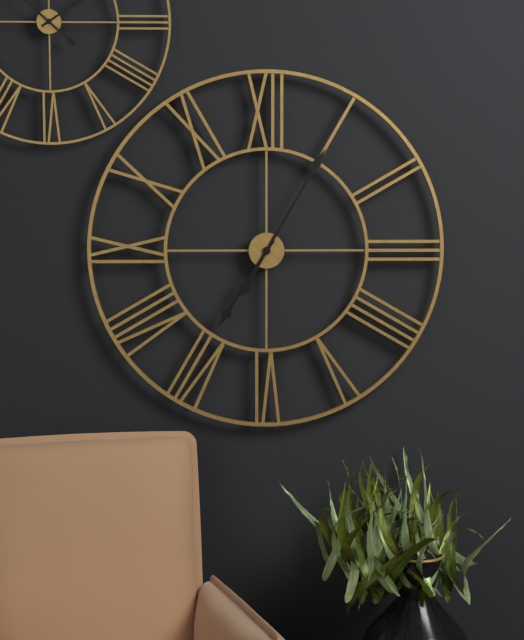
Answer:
7,05
